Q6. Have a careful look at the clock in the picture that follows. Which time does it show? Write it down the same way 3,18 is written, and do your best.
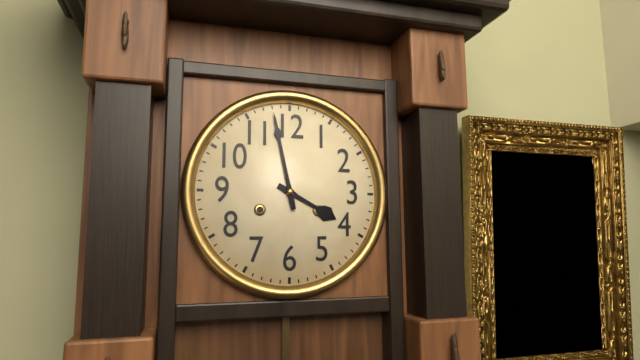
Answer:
3,58
